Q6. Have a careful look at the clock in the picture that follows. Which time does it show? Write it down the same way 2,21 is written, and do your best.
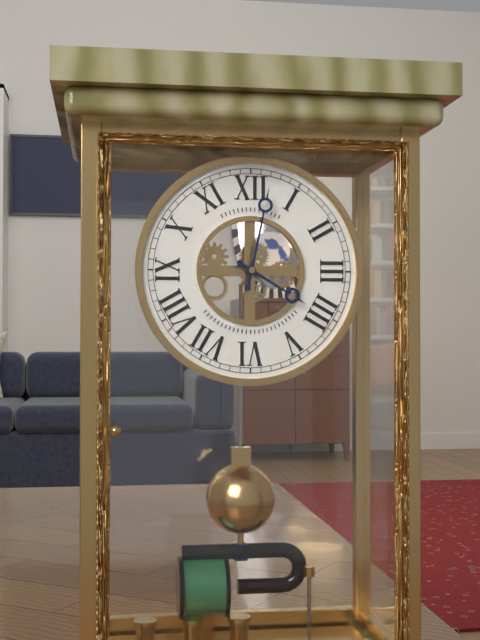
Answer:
4,02
